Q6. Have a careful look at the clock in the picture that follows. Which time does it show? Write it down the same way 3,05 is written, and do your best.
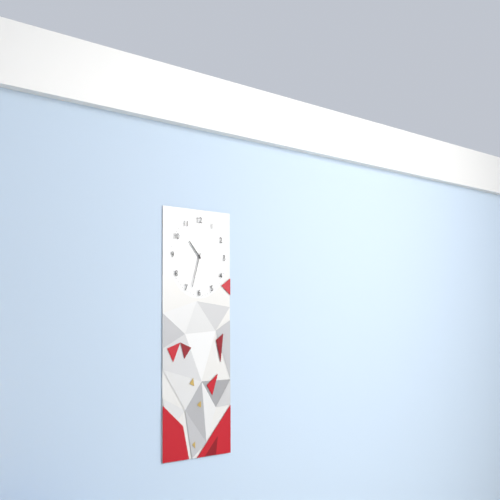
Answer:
10,33
